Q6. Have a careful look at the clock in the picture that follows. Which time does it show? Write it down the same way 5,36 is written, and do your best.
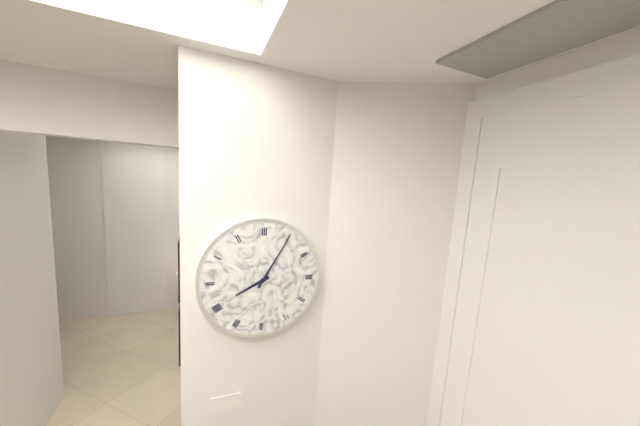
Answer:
8,05
